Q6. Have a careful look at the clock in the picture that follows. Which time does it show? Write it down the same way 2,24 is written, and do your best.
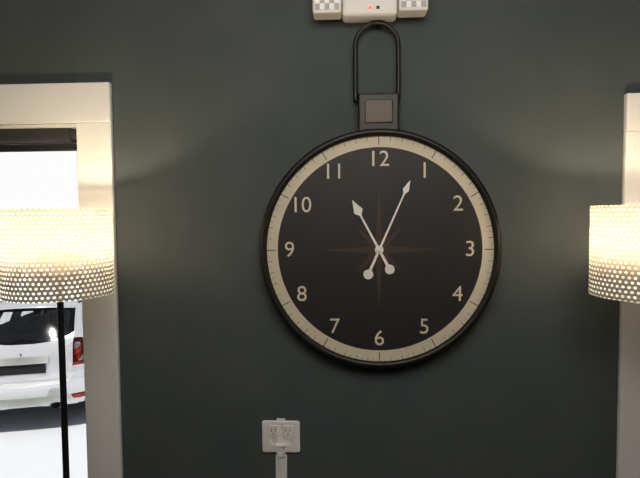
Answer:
11,04
